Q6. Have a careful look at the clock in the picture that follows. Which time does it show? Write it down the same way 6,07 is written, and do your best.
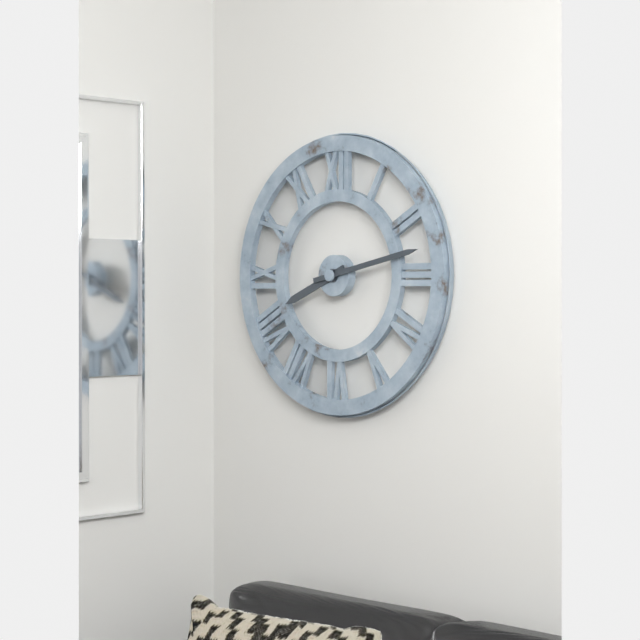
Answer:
8,13
